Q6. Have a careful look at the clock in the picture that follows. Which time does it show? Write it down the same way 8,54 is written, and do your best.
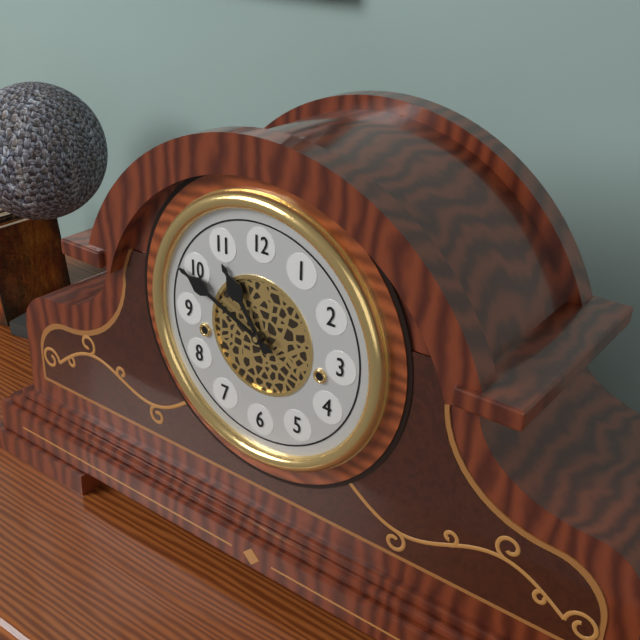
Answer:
10,49
